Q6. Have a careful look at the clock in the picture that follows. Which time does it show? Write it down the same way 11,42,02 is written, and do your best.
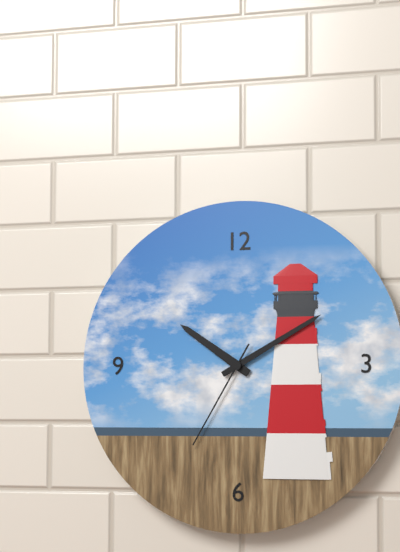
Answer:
10,10,35
